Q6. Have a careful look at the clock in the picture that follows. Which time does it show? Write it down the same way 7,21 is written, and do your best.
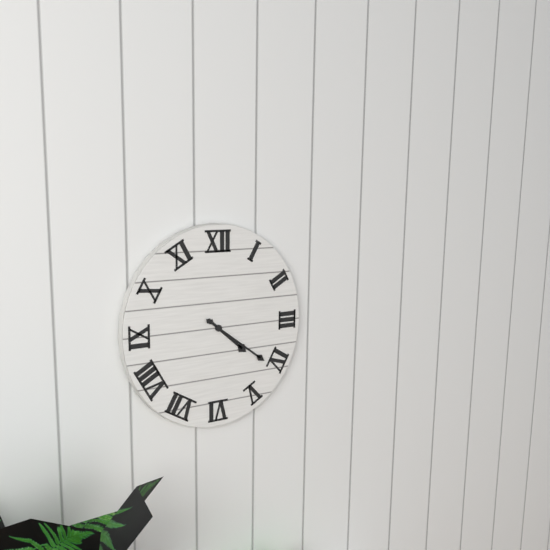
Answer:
4,21
